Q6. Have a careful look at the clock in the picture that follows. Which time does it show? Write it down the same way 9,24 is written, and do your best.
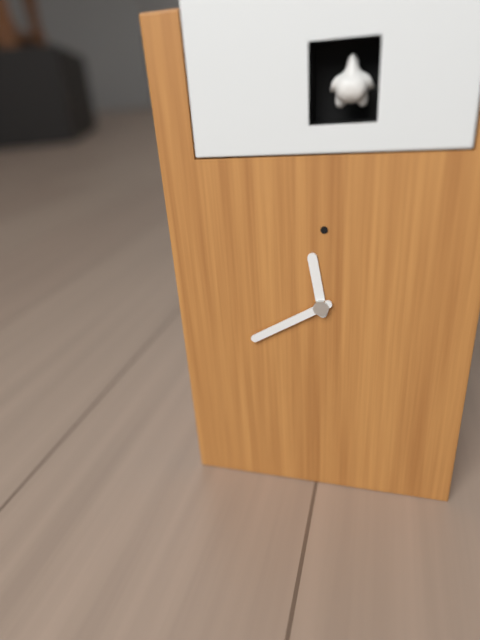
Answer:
11,40
